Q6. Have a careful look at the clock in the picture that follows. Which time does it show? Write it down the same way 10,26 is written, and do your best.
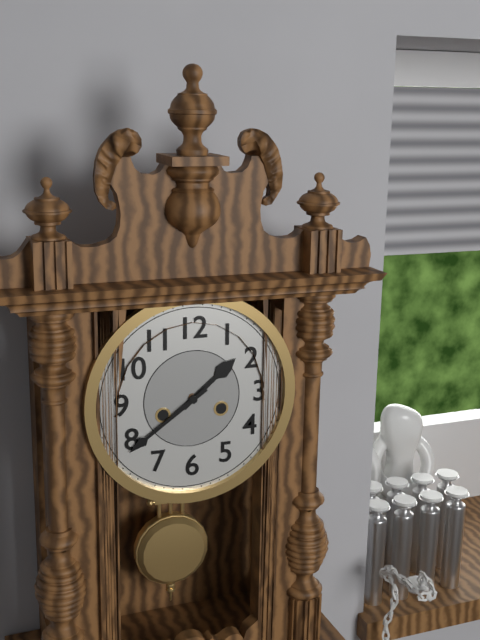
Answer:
1,39
